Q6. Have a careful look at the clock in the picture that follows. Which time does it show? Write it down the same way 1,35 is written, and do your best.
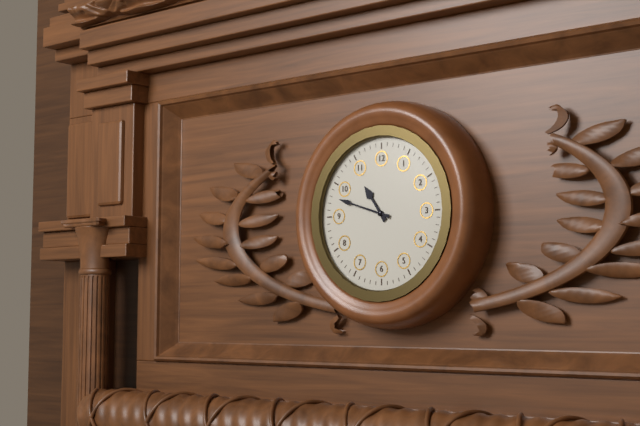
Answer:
10,48
